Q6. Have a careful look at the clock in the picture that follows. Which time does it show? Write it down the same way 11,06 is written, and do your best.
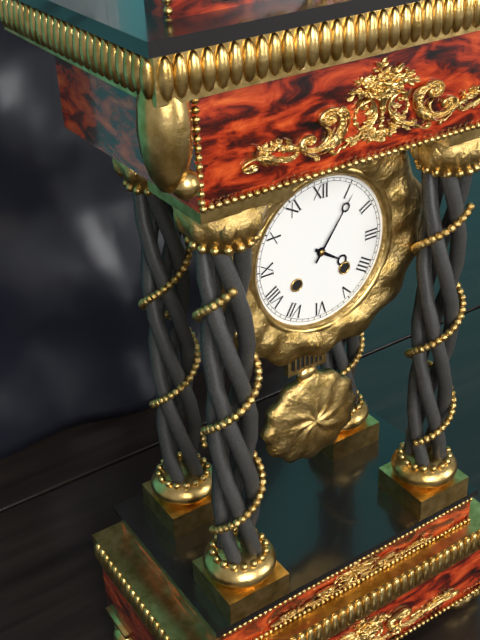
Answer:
4,06
